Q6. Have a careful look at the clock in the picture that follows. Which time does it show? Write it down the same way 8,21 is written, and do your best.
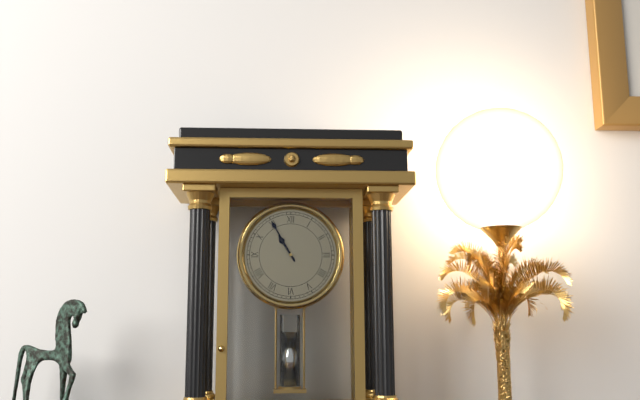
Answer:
10,55
